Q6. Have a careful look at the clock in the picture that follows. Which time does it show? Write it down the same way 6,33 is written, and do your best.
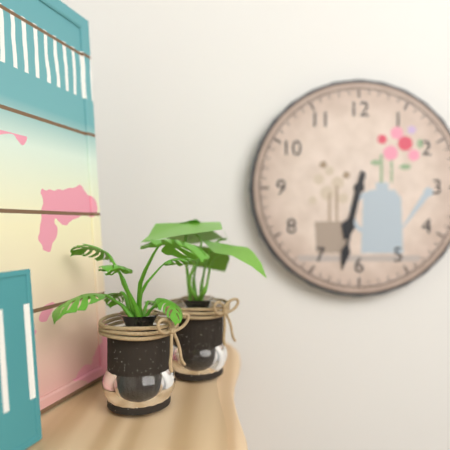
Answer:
6,32
